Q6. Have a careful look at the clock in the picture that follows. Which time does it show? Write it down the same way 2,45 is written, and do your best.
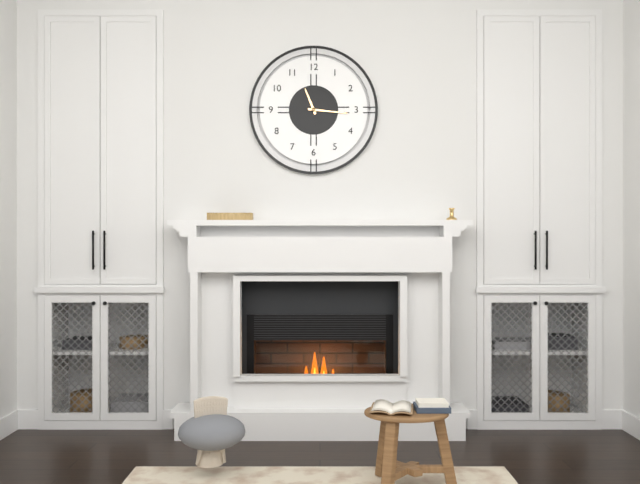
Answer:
11,16
